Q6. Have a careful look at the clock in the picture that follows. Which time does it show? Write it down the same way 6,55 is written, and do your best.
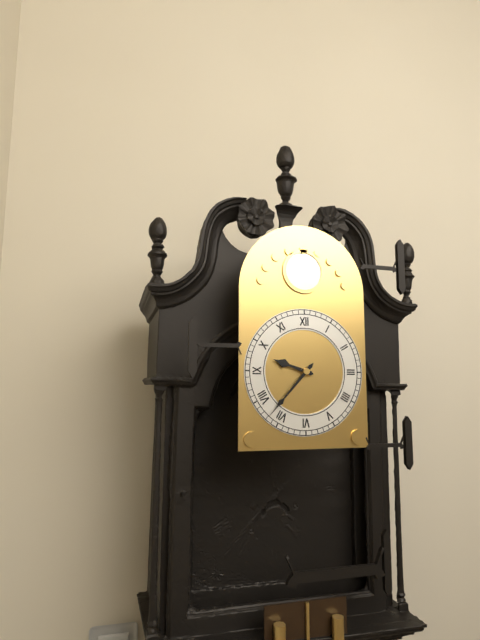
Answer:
9,37
